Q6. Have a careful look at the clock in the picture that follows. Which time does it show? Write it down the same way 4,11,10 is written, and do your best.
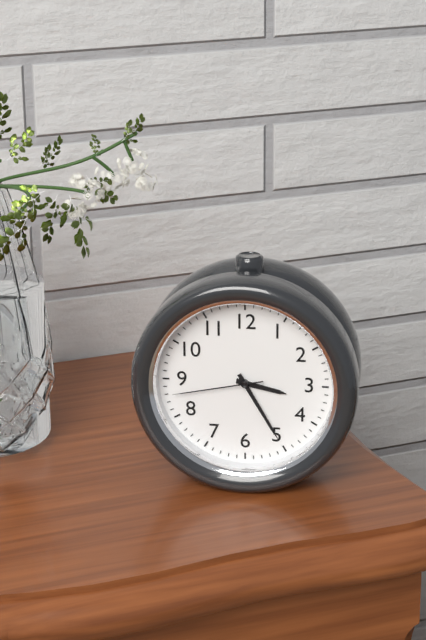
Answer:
3,25,43
